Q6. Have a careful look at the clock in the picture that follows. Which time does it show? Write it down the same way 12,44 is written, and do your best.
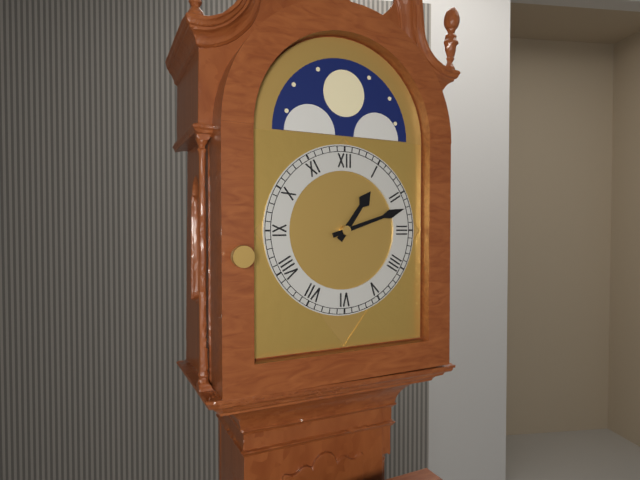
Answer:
1,12
